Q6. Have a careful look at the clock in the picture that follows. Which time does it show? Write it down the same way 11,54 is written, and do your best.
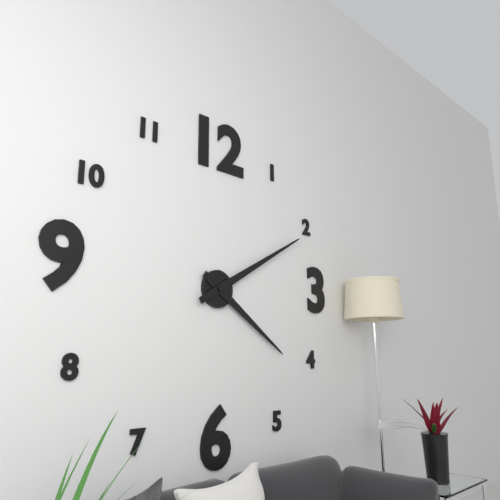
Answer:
4,10
